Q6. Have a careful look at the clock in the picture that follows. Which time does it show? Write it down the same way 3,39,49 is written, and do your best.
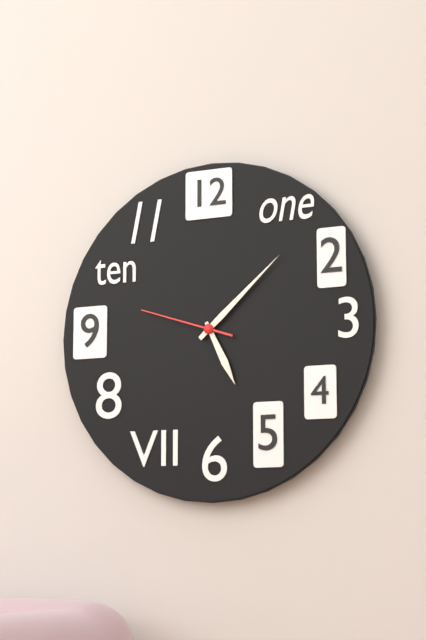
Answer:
5,08,48
